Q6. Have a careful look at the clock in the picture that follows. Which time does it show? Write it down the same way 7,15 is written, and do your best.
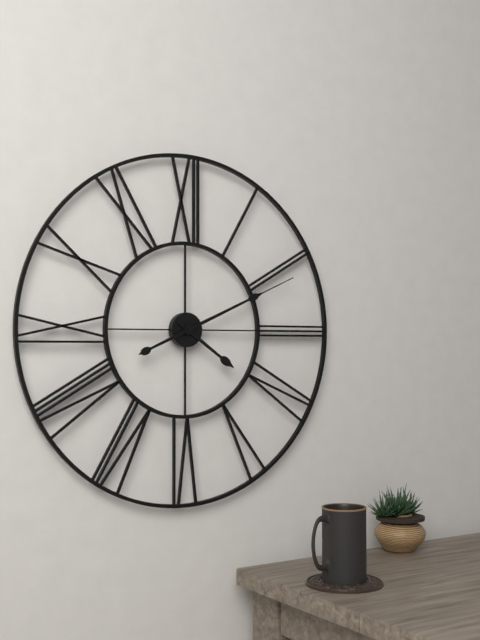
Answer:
4,11
